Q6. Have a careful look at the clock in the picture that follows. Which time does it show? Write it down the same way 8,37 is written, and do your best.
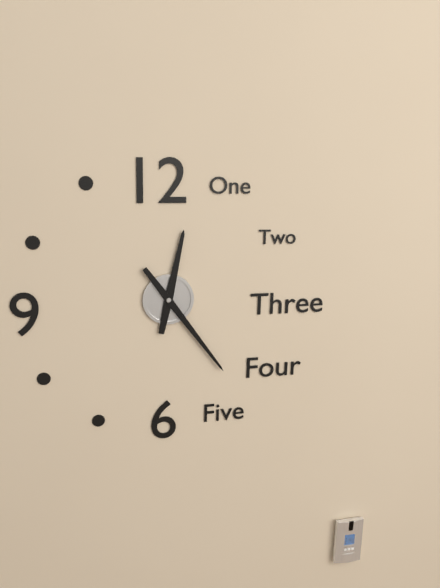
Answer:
12,24
